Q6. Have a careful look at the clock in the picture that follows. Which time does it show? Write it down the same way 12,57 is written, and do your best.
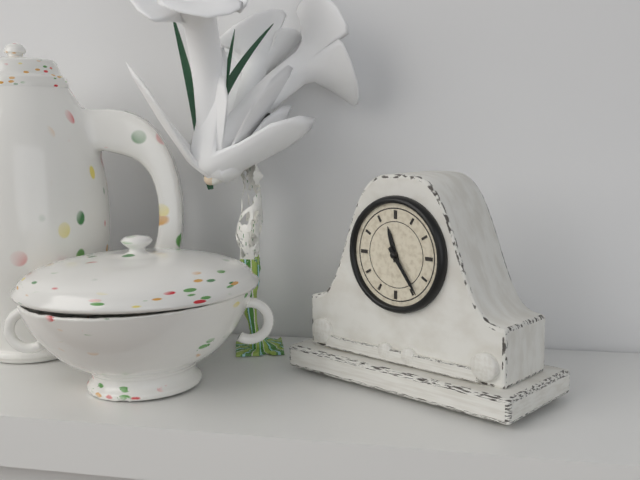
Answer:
11,24
